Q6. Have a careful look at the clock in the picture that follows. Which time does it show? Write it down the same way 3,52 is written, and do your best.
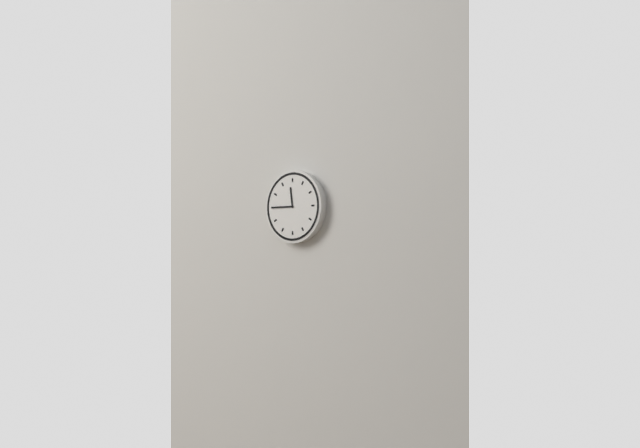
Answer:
11,45
